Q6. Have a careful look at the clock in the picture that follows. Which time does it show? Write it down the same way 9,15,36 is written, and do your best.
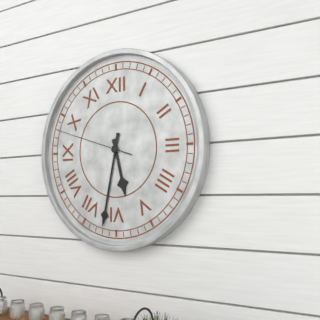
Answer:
5,32,48
